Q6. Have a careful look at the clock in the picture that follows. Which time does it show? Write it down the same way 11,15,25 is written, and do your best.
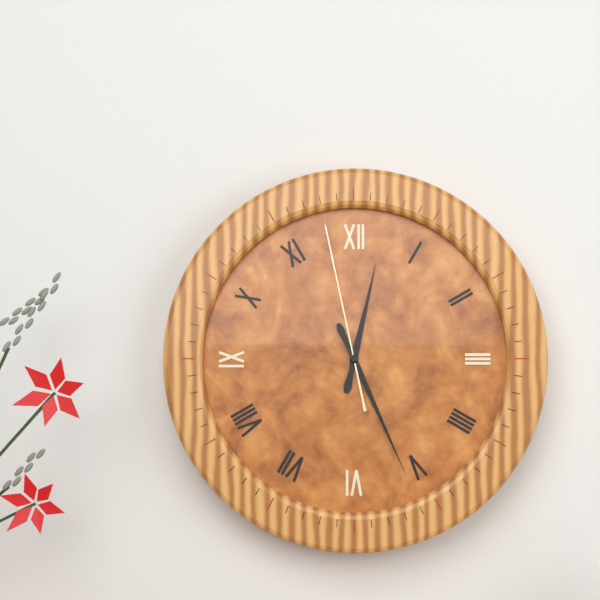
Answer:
12,26,58
